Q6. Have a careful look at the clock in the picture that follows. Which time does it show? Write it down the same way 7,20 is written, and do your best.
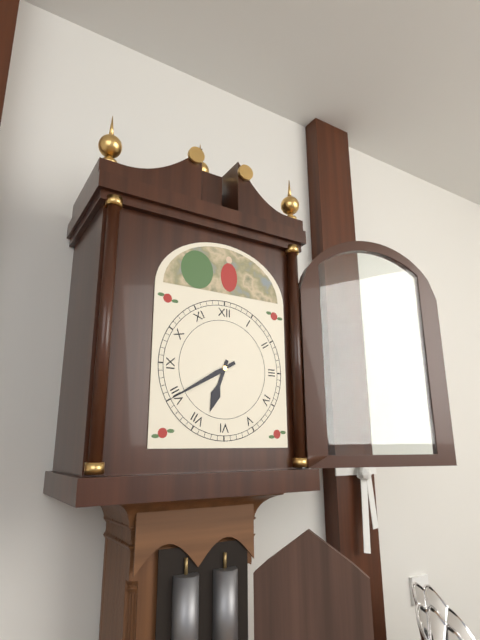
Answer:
6,40
